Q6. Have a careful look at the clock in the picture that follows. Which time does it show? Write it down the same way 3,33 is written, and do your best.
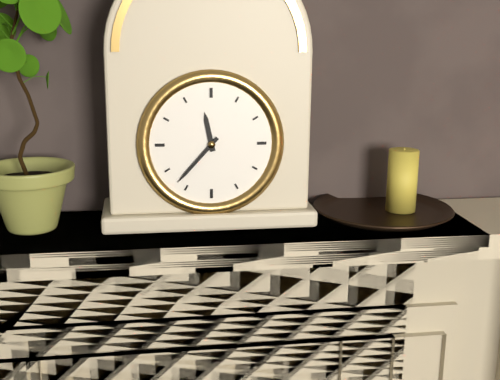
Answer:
11,37
